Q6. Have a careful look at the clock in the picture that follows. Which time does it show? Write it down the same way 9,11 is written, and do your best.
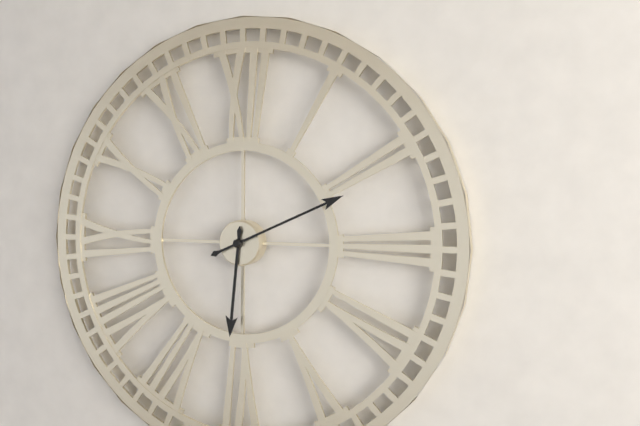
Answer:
6,11
